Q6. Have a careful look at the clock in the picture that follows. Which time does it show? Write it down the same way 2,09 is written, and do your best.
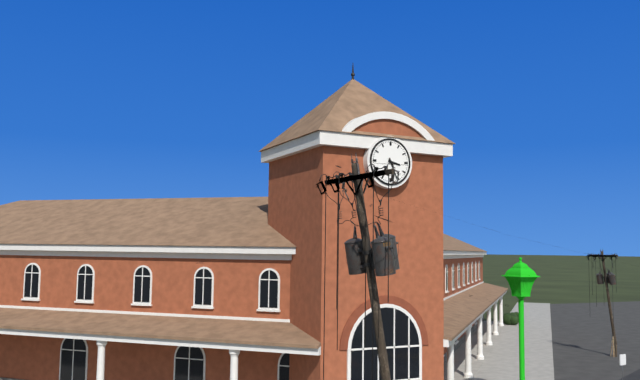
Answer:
3,26
